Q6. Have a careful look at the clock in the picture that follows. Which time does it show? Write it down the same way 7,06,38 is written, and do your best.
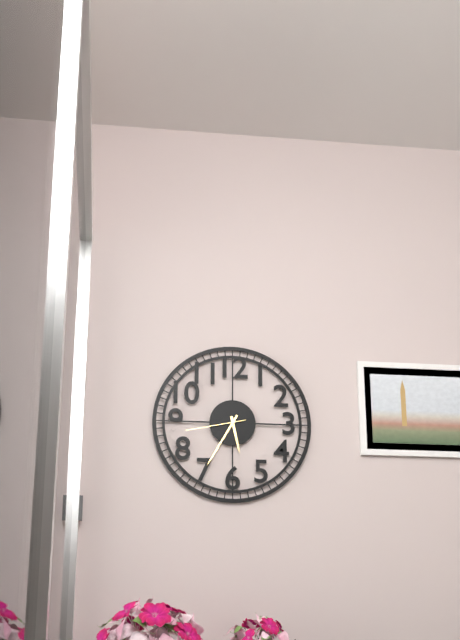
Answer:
5,35,43
